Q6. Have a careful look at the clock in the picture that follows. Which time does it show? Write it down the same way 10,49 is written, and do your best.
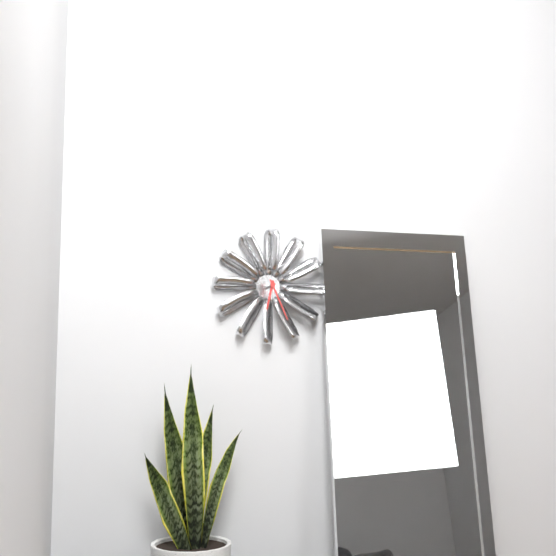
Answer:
6,26
